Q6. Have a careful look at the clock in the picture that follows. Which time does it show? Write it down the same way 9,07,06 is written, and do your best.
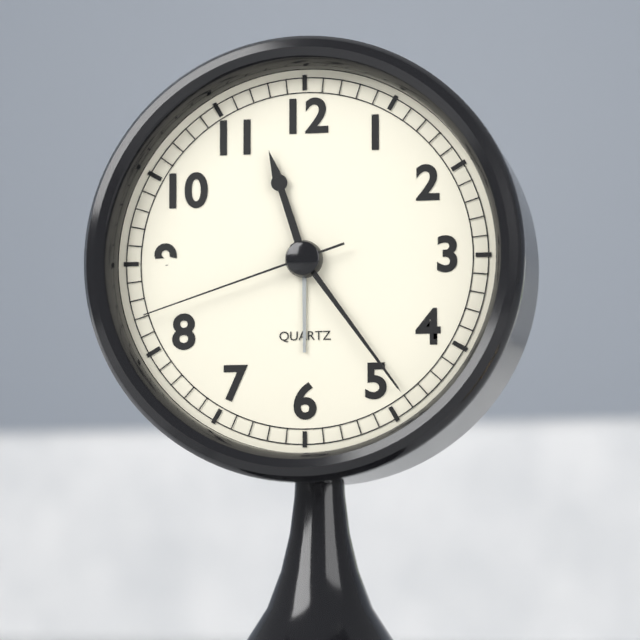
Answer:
11,24,42
